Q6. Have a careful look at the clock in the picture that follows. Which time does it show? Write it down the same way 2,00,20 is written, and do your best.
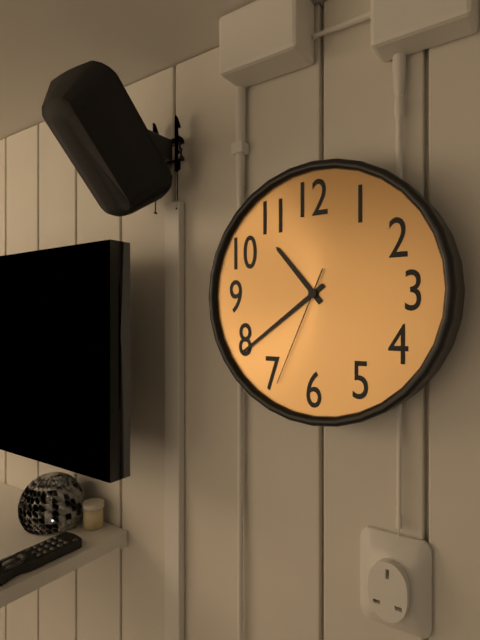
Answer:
10,39,34
